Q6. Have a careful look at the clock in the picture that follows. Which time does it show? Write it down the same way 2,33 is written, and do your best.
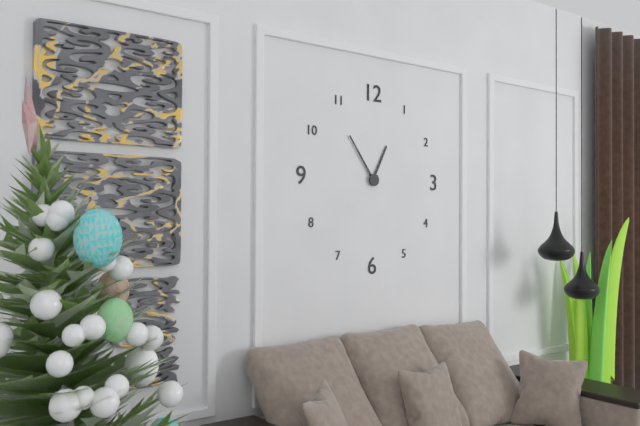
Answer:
12,54
